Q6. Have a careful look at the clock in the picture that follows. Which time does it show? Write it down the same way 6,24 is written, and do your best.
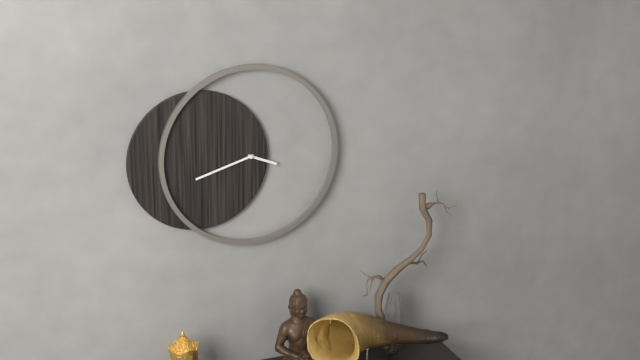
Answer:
3,42
